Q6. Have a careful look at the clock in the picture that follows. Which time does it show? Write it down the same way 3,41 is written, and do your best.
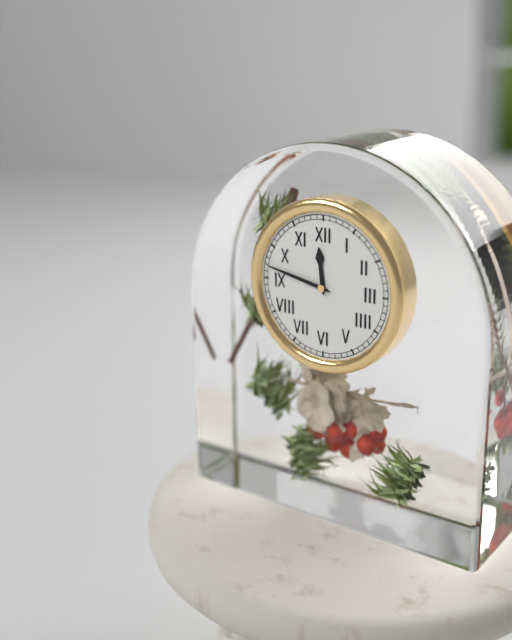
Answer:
11,47
